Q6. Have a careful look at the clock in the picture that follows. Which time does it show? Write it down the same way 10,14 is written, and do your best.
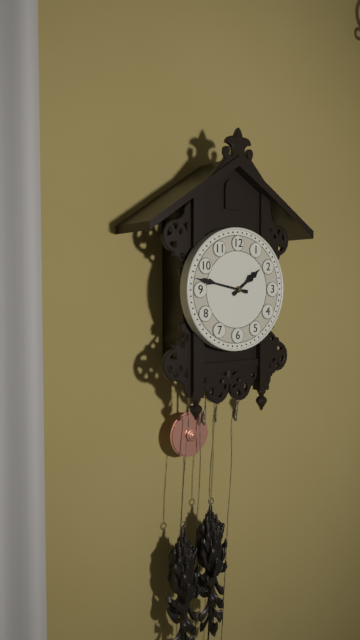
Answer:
1,47
